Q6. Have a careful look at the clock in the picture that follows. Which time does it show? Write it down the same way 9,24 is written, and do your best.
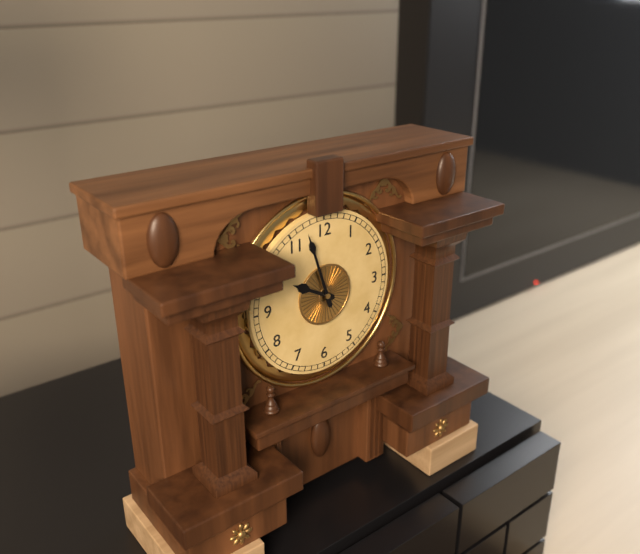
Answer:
9,57
